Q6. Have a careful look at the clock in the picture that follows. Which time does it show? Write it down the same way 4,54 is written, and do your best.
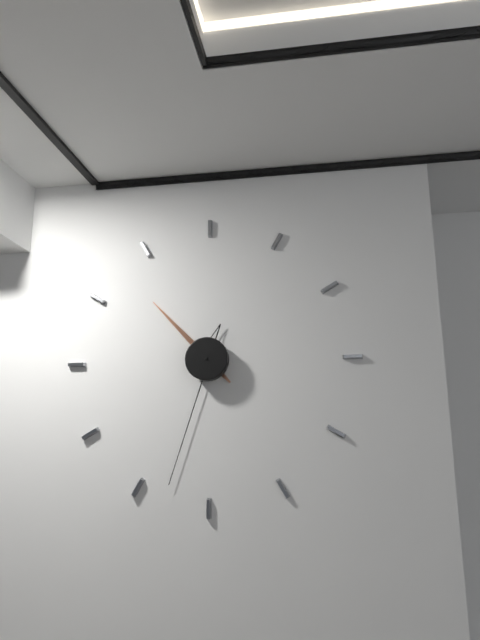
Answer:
10,33
